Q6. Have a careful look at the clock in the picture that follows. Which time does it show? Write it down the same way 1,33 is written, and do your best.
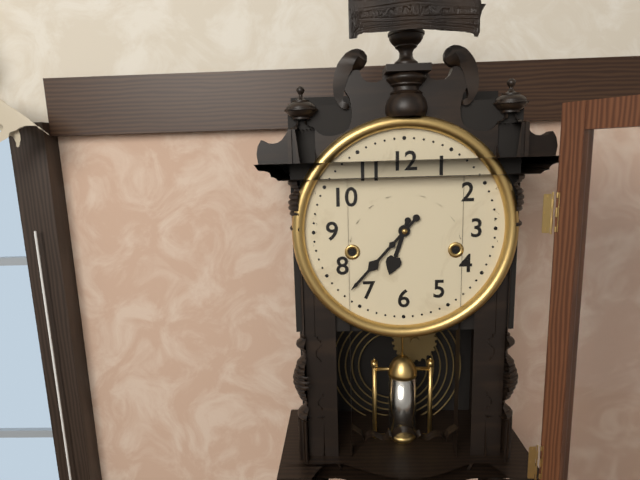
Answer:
6,37
